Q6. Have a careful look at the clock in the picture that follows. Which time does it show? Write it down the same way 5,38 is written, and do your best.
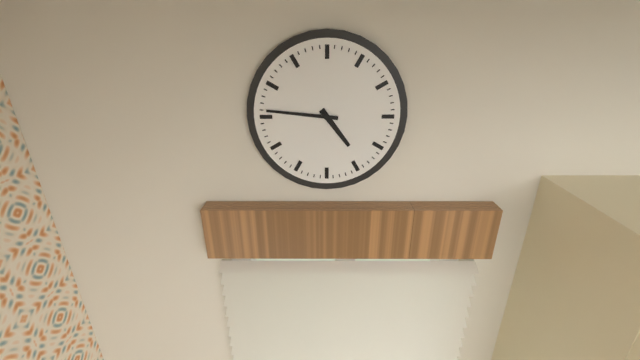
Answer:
4,46
